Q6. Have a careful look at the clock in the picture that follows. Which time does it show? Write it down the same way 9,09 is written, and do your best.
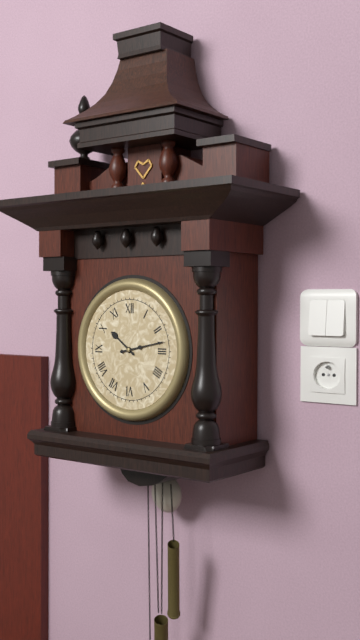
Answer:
10,13
